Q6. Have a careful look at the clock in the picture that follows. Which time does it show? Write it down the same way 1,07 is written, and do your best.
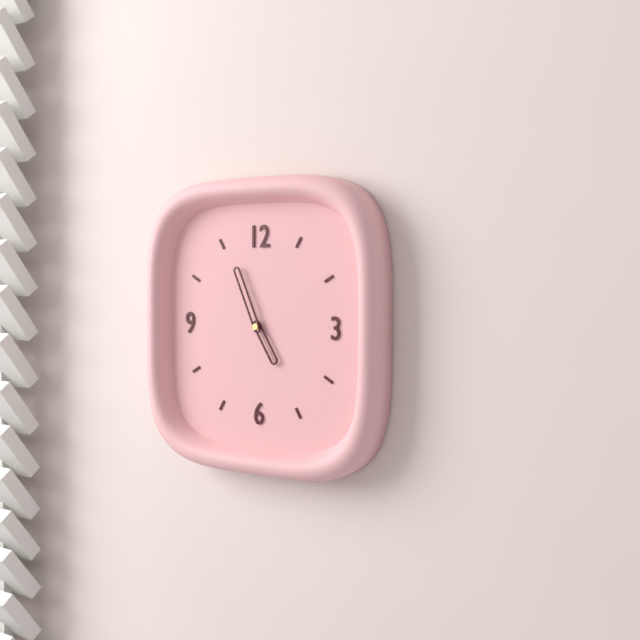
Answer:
4,56
